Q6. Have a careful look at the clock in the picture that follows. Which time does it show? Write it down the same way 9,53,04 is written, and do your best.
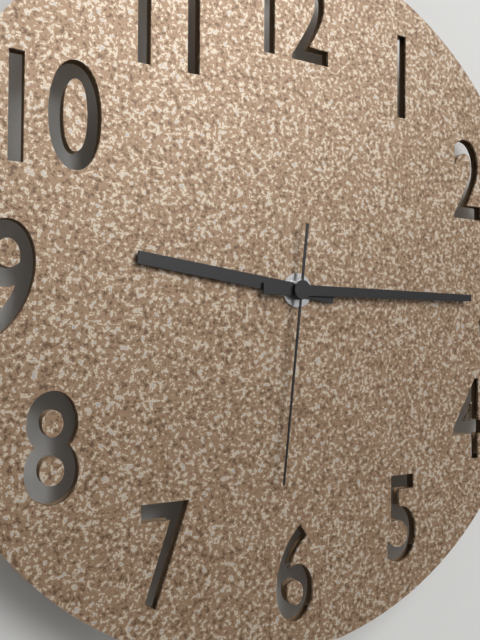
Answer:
9,15,31
